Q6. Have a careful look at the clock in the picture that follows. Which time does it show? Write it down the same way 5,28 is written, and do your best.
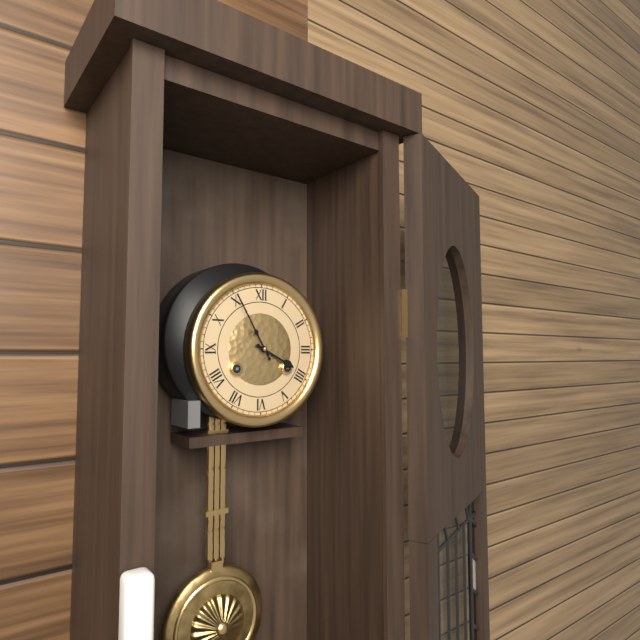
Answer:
3,55
